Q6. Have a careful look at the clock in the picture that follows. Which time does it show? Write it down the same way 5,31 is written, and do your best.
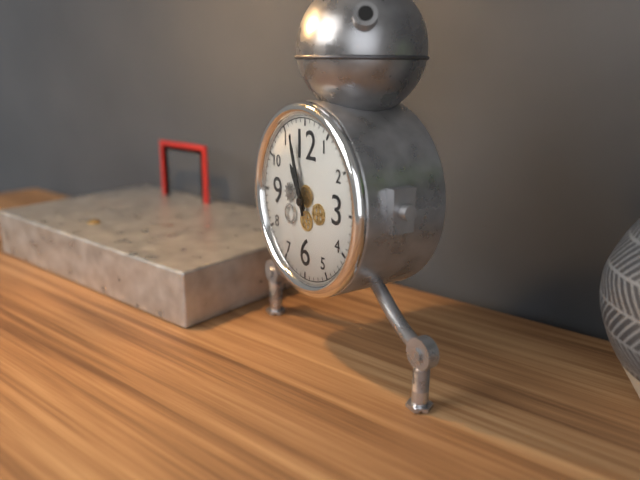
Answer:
10,57
